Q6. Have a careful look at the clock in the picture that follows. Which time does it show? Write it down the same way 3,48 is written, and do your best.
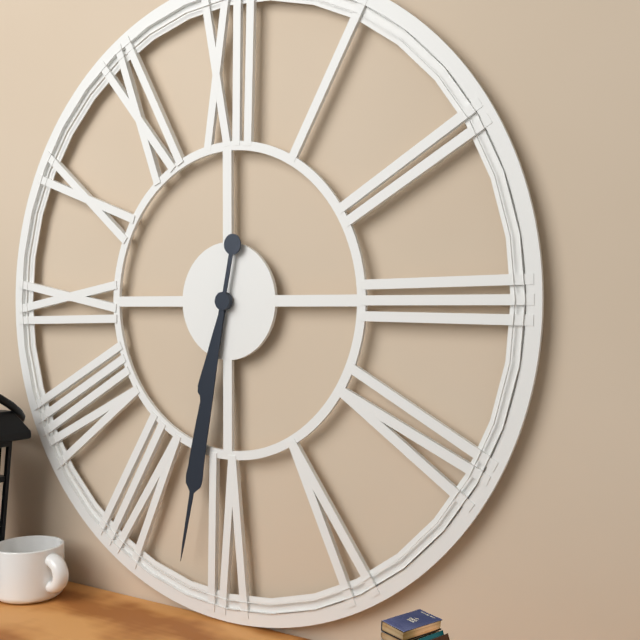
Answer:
6,32
